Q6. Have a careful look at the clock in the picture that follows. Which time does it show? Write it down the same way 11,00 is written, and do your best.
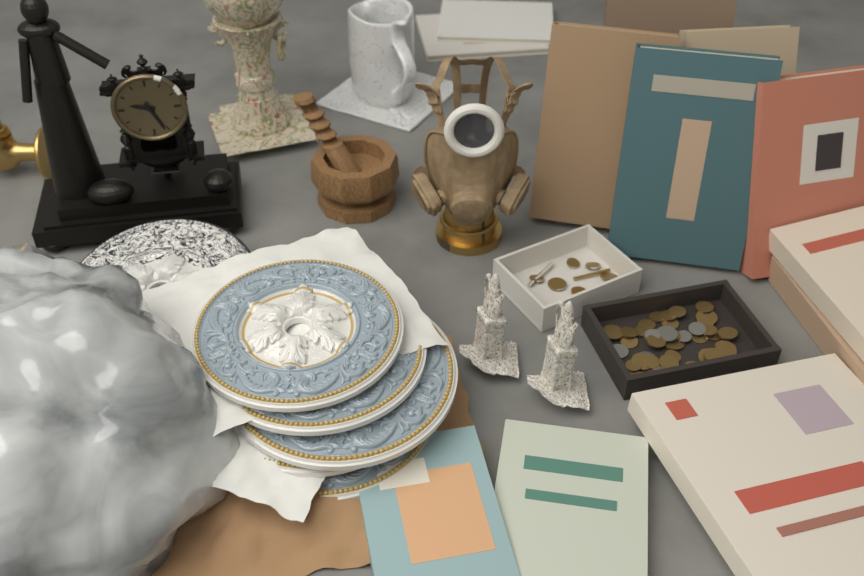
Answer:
9,26
